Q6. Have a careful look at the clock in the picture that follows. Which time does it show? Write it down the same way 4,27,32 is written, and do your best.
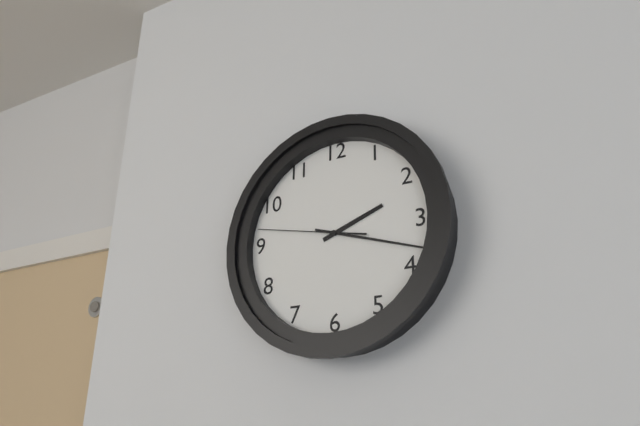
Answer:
2,18,47
